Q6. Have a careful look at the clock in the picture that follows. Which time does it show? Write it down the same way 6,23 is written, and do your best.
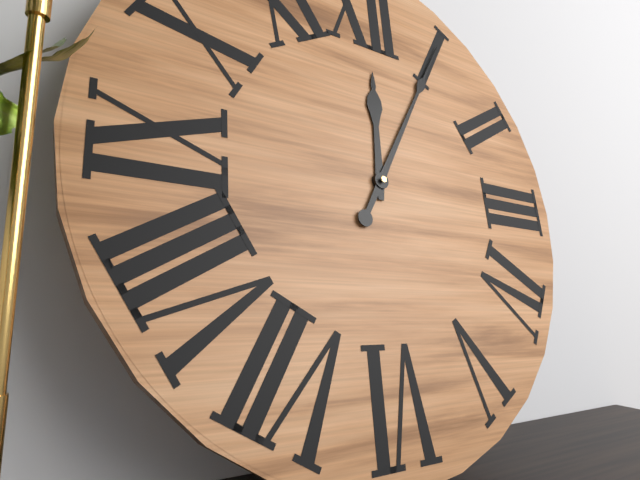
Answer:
12,05
